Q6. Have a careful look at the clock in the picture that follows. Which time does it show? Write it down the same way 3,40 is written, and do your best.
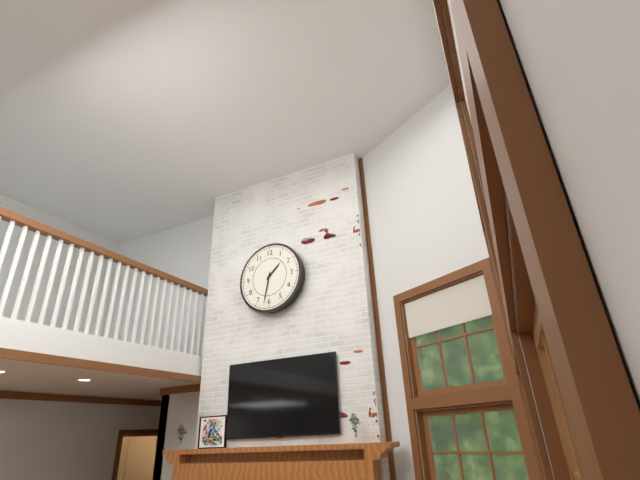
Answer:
1,32
